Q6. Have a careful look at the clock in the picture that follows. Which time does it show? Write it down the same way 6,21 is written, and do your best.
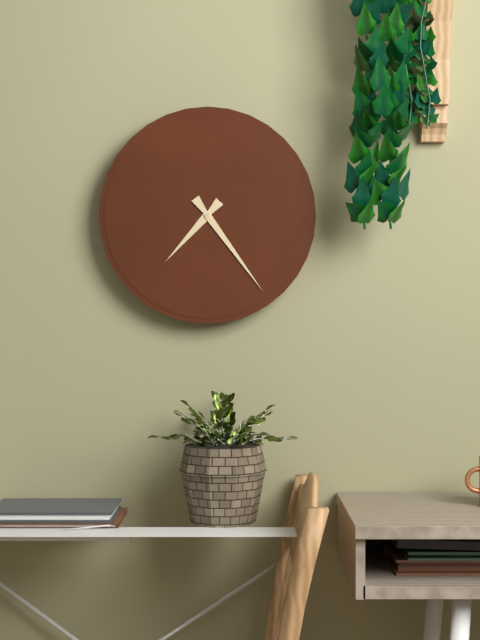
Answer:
7,24
